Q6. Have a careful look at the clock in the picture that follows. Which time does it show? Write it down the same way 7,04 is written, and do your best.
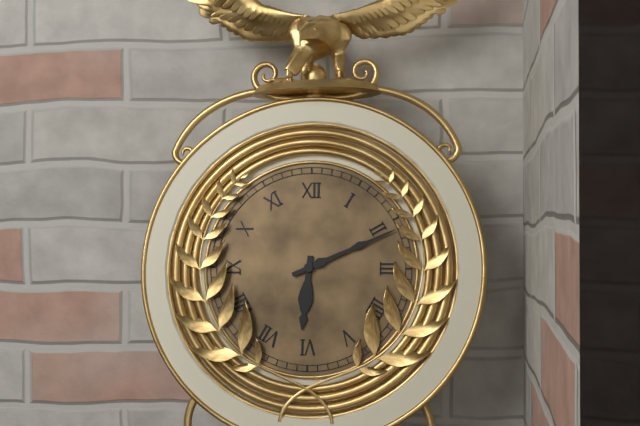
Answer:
6,11
